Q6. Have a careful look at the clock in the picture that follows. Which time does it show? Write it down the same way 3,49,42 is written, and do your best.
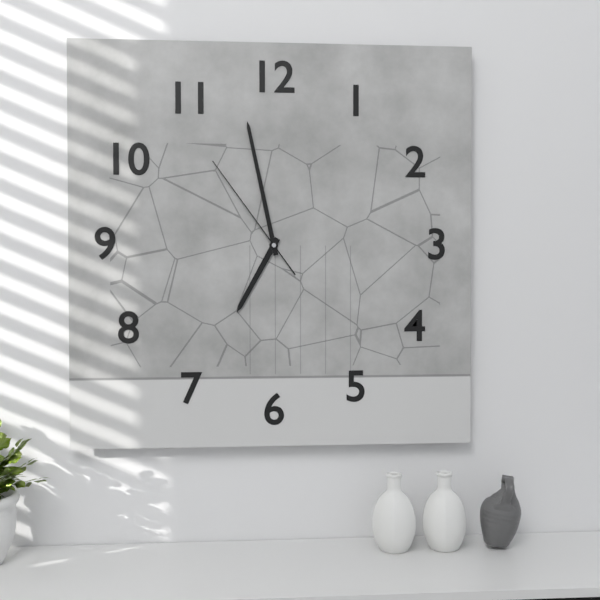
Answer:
6,58,54
